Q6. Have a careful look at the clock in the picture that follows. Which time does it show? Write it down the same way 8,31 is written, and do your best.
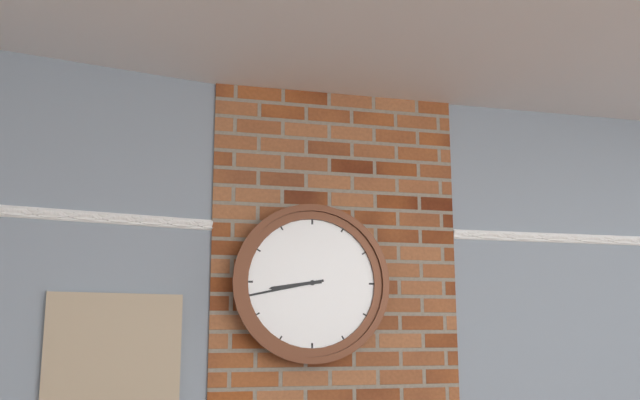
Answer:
8,43
